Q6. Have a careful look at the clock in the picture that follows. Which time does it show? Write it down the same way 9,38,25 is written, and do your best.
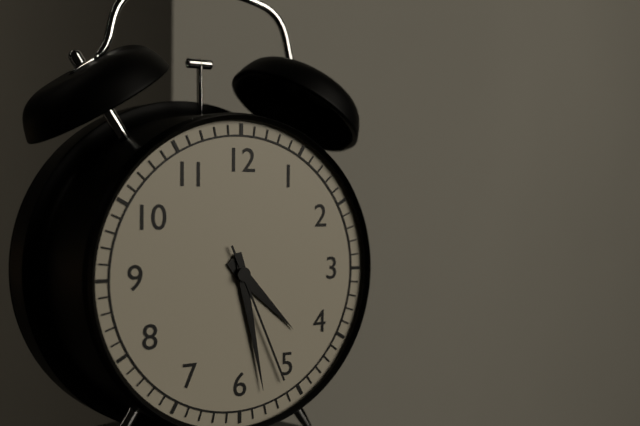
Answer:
4,28,26
